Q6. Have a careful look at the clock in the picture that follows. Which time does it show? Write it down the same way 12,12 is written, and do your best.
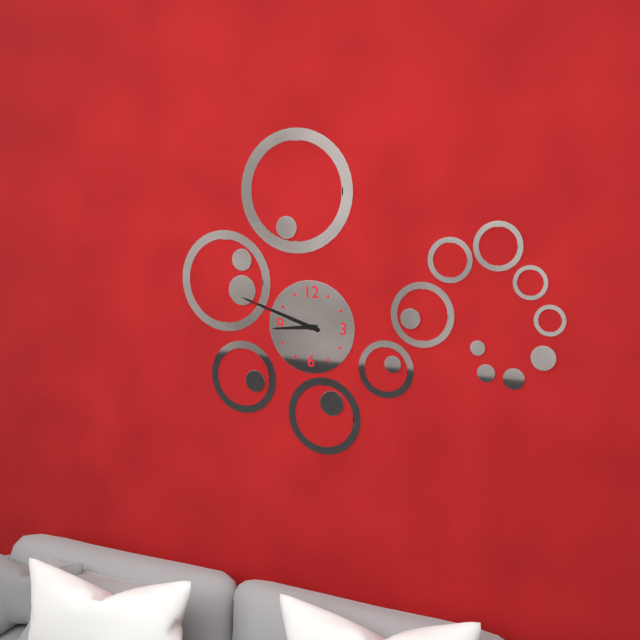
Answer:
8,48
